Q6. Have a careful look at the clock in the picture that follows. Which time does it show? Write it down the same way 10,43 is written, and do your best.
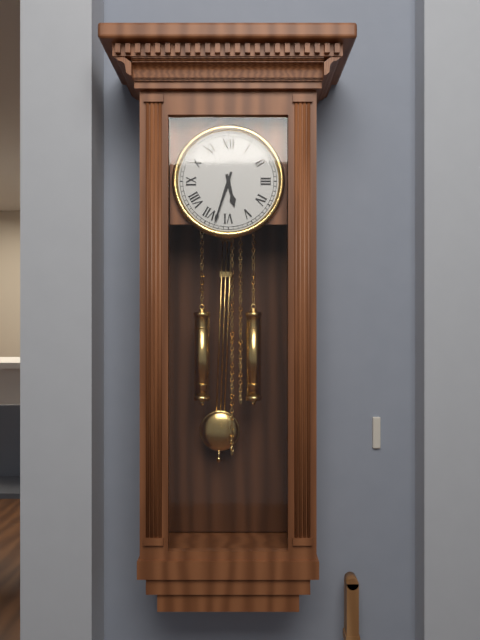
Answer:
5,33
